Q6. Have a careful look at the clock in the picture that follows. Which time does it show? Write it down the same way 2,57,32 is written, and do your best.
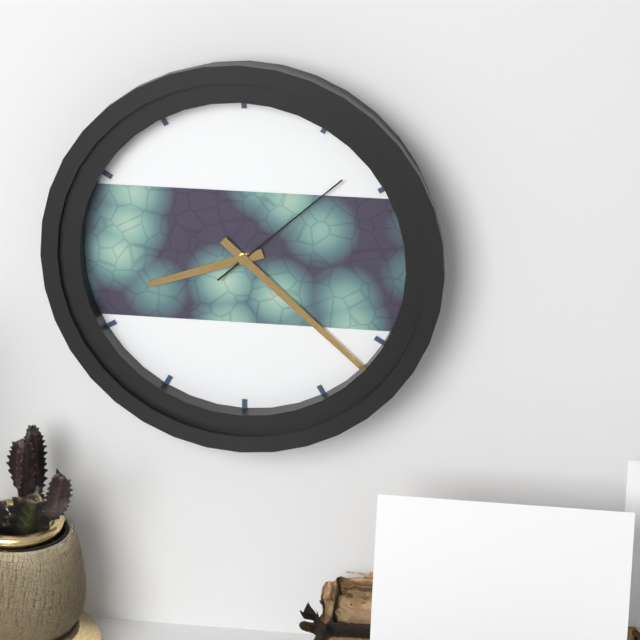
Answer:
8,22,08
